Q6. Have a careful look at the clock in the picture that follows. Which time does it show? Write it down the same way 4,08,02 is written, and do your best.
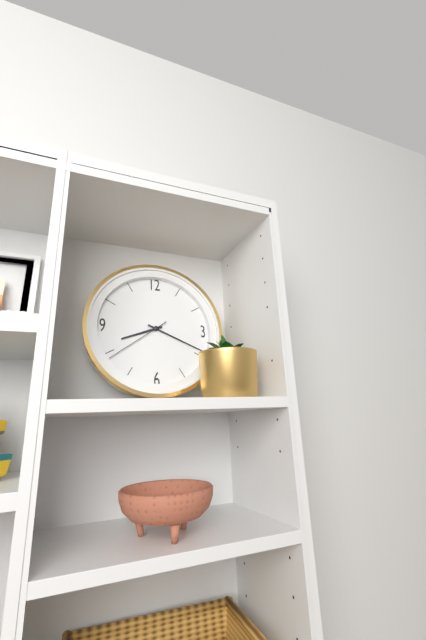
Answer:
8,19,39
